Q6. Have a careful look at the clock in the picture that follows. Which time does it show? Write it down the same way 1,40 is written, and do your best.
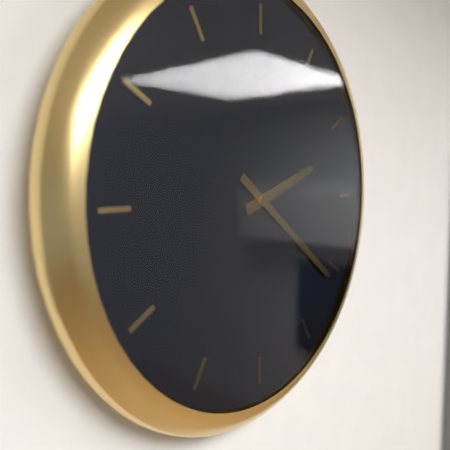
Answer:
2,21
